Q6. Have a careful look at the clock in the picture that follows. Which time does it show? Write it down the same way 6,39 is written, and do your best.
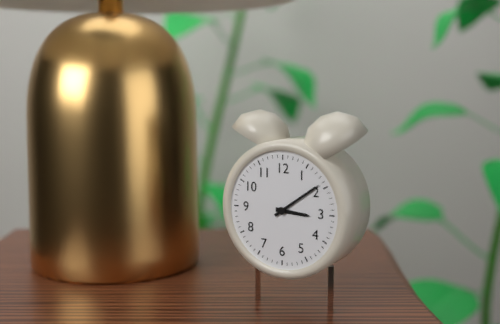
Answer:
3,09
